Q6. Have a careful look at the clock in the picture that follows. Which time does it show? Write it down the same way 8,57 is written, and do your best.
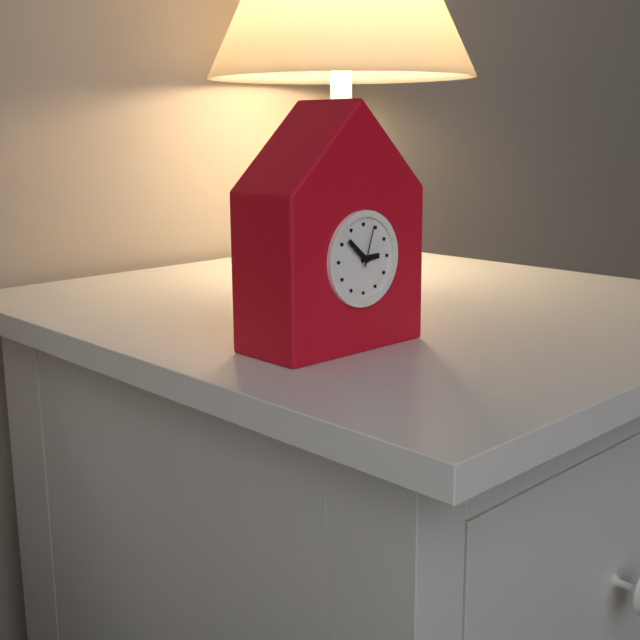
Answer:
2,52
